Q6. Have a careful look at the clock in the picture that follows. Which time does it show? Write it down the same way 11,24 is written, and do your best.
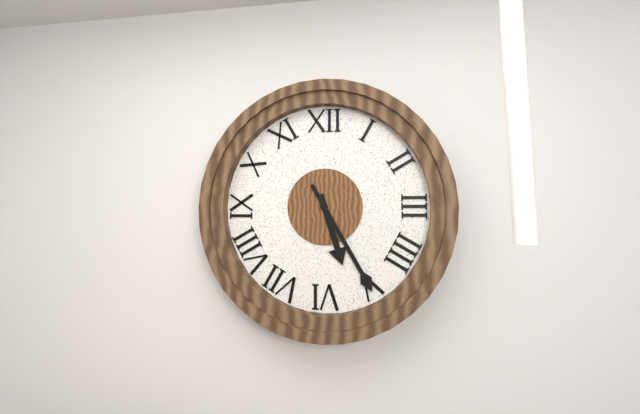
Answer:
5,25
